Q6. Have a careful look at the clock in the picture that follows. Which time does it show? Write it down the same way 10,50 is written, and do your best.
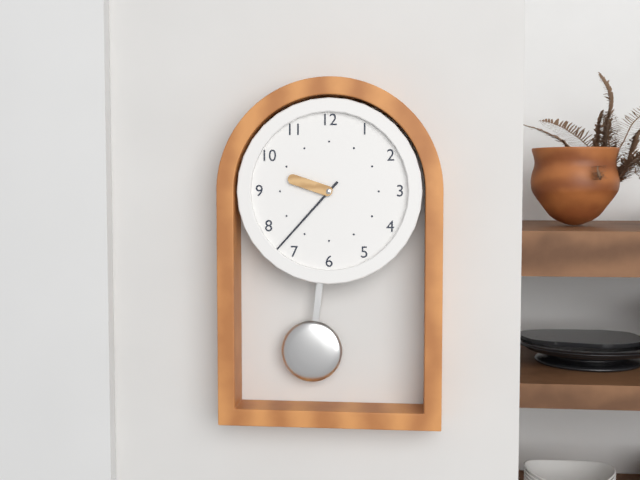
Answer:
9,37
